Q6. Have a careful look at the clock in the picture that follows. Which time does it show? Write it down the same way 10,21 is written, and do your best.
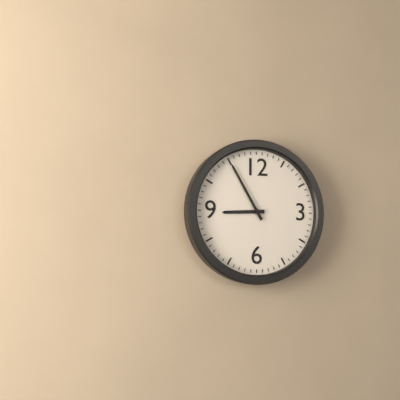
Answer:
8,55
